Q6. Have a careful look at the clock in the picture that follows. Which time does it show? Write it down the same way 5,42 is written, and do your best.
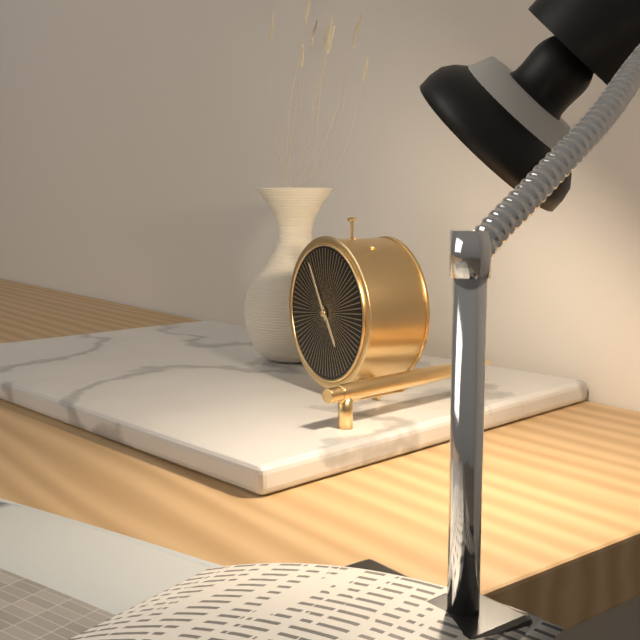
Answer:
4,55
